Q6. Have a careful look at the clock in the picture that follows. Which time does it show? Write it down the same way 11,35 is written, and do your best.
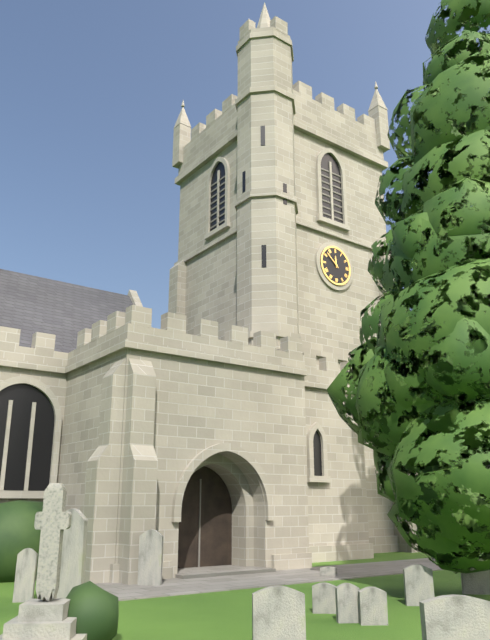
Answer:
11,52
